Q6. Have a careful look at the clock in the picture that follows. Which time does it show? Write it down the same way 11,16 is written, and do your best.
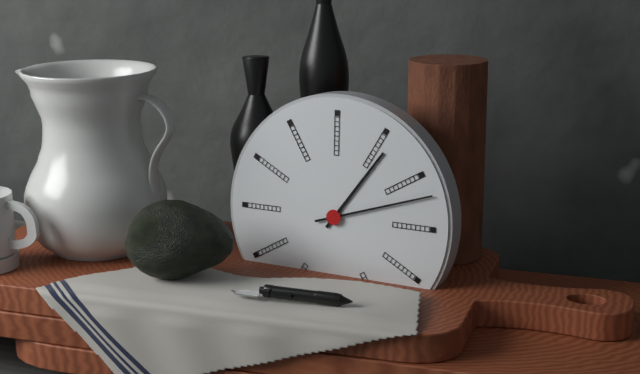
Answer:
1,12
